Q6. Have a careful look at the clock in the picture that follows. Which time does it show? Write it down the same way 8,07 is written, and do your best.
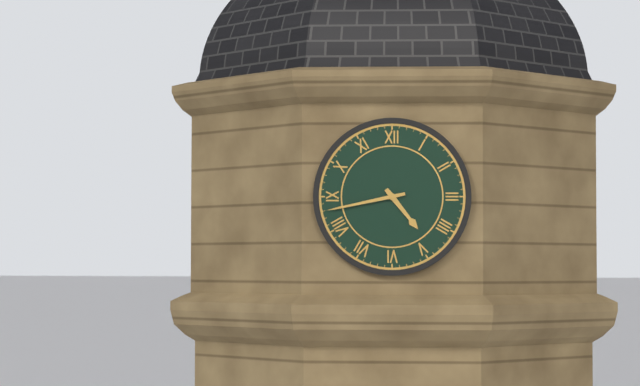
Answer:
4,43
